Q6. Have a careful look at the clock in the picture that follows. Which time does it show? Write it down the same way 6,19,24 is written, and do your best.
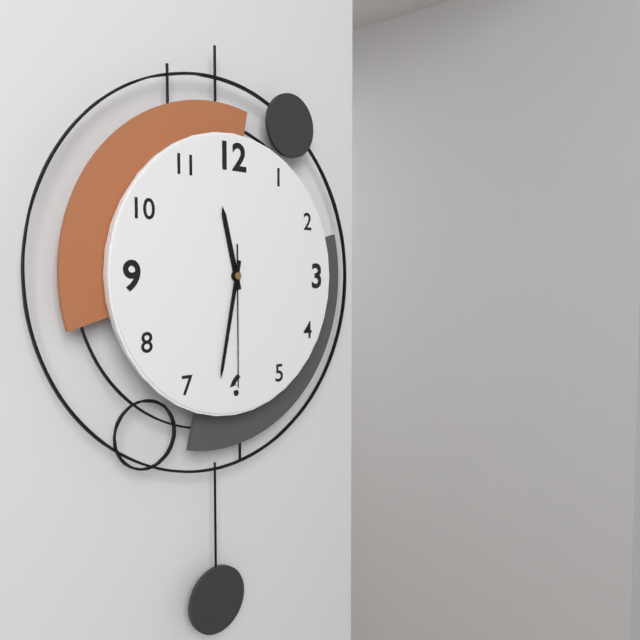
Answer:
11,32,30
